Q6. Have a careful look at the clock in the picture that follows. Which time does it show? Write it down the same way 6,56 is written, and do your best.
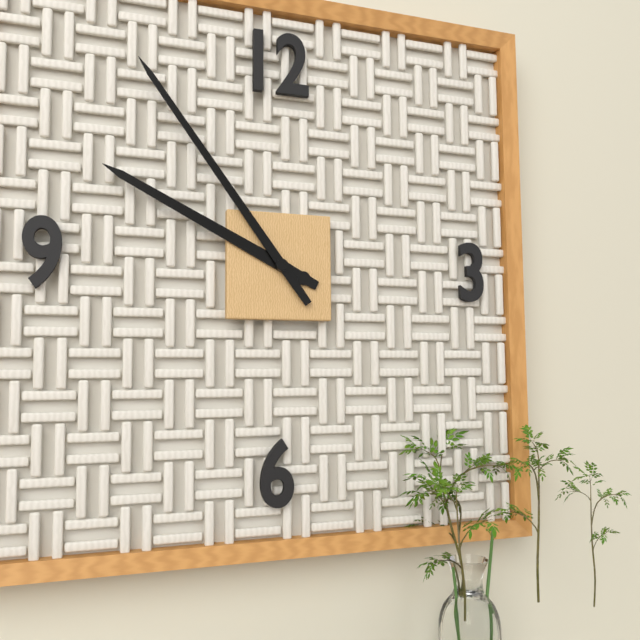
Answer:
9,54
